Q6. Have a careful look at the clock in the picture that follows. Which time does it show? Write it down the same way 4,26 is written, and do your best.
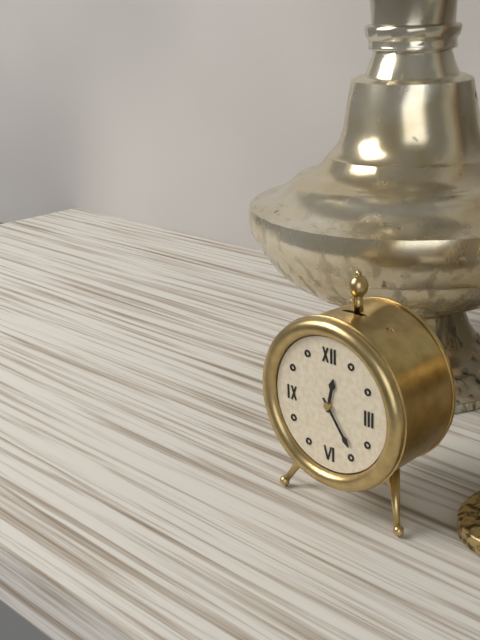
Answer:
12,24
